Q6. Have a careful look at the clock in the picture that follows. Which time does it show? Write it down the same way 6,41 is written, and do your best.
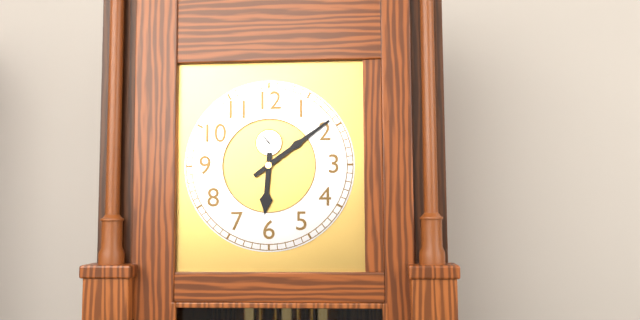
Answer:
6,09
